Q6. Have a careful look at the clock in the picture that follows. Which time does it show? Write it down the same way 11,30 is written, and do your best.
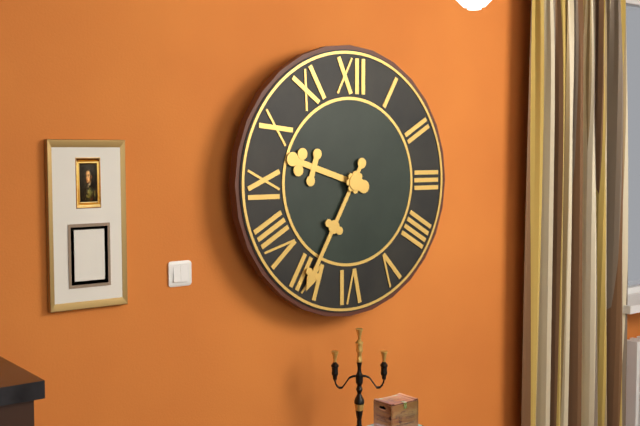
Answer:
9,35
